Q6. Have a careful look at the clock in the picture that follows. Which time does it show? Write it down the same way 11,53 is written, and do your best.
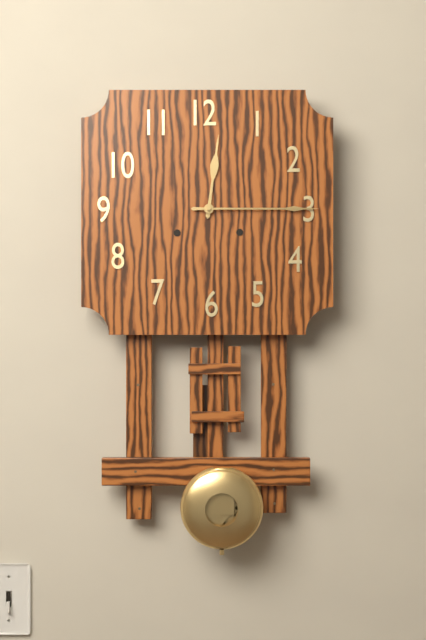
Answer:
12,15
